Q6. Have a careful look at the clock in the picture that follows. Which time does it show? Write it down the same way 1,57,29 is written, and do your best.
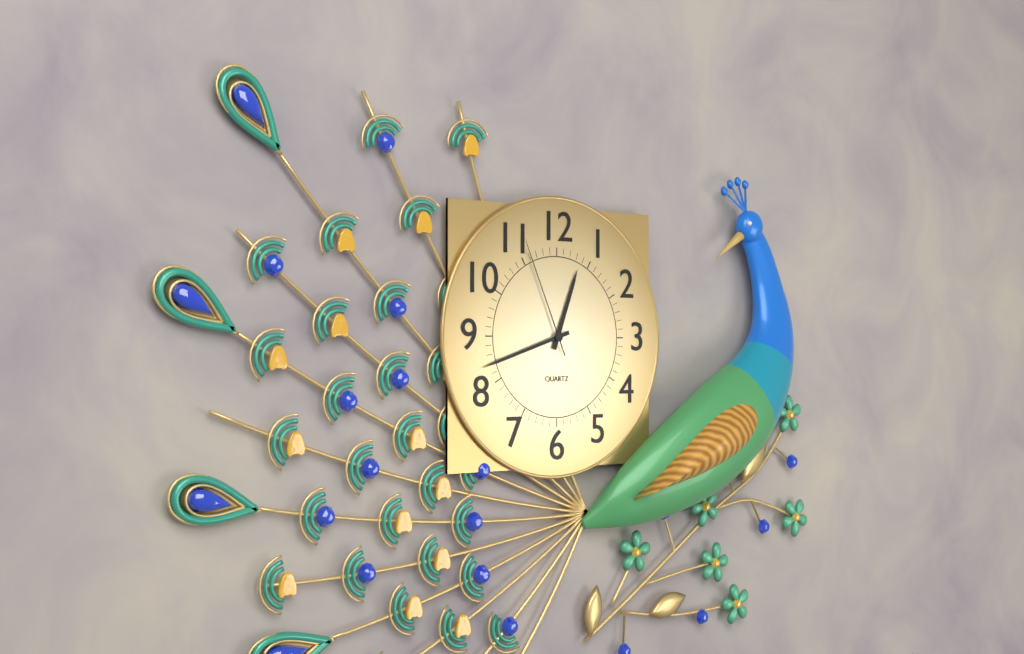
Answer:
12,42,56
